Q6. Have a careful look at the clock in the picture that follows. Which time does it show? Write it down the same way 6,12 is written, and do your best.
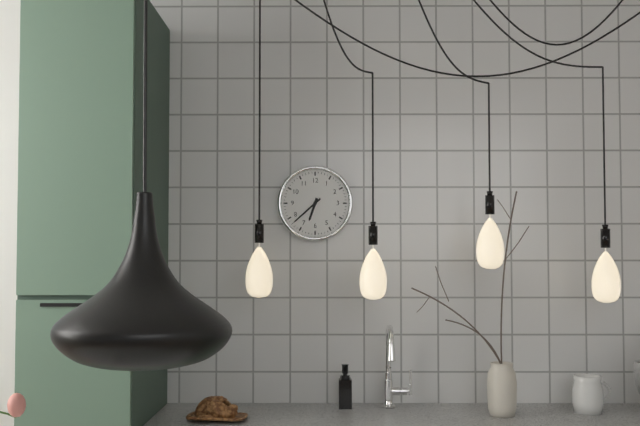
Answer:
6,38
